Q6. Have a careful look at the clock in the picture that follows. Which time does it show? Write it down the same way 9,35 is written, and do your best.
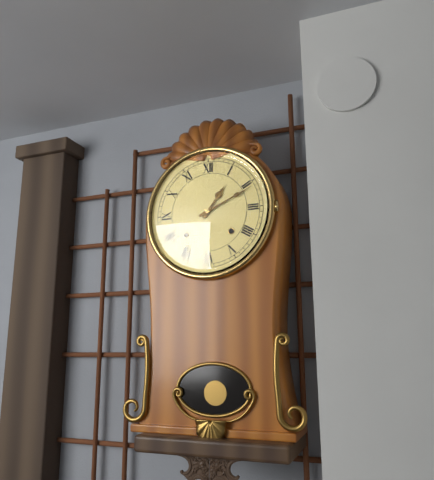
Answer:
1,11
